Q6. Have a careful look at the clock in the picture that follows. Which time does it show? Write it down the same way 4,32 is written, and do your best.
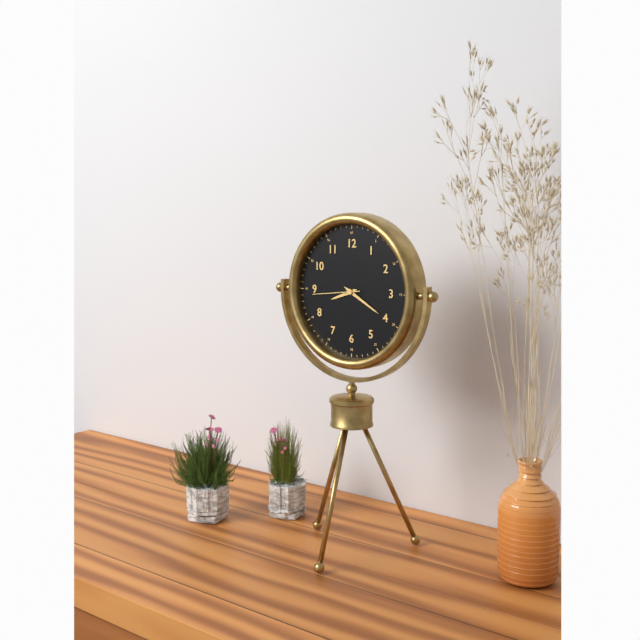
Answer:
8,20
